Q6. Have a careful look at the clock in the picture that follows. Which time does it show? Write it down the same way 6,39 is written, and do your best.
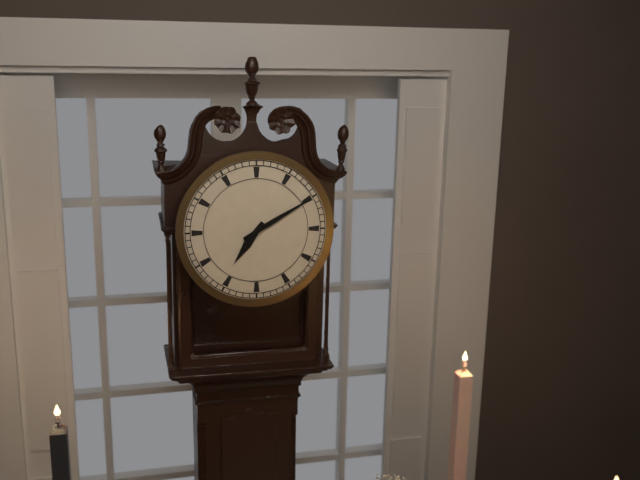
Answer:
7,10
